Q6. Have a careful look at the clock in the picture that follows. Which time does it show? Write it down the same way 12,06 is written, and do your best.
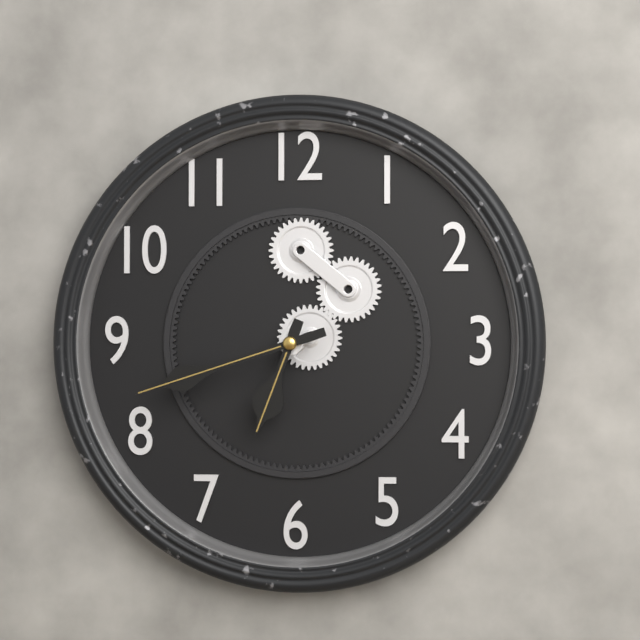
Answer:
6,42
